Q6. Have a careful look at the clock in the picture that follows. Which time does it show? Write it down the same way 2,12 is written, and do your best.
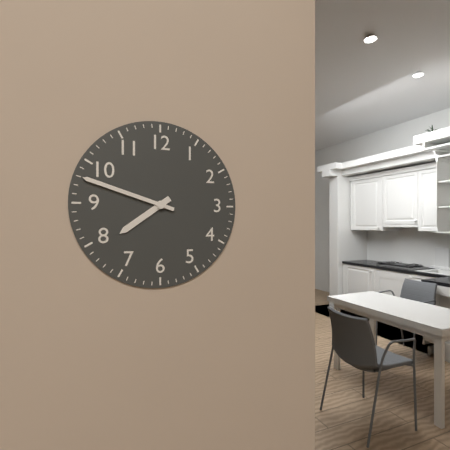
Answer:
7,48
